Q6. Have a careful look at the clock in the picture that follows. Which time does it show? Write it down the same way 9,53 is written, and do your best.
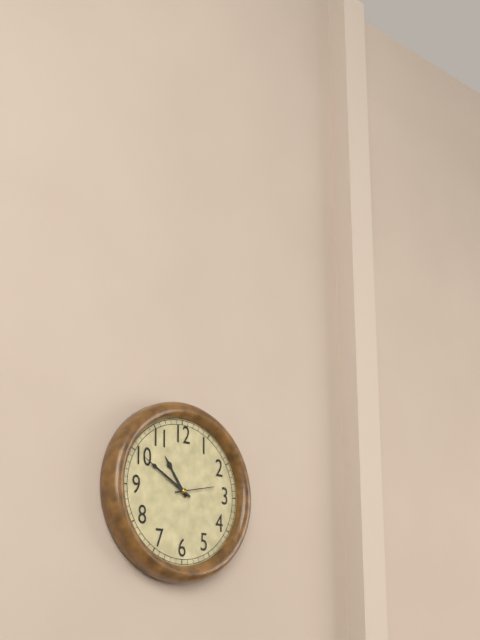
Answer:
10,50
